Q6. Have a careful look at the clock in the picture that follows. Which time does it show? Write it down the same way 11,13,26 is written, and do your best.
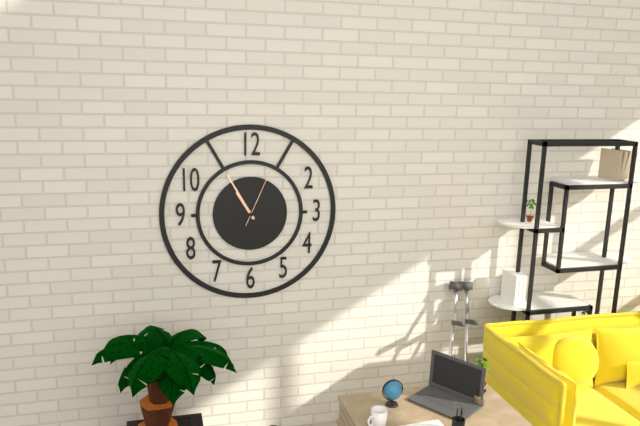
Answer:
10,55,04
